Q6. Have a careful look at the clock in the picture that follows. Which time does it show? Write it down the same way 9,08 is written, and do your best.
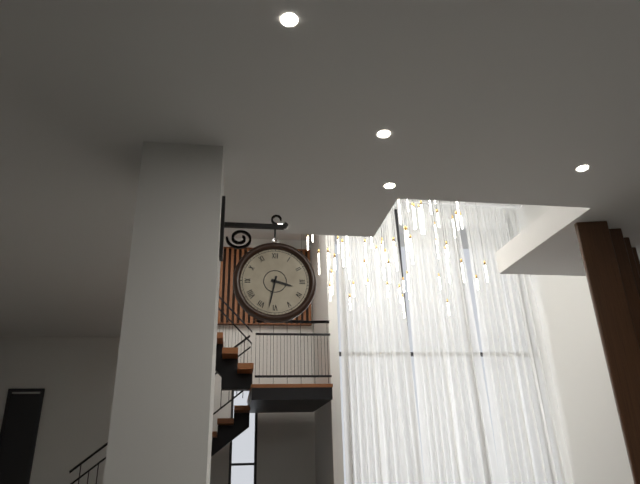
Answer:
3,32
